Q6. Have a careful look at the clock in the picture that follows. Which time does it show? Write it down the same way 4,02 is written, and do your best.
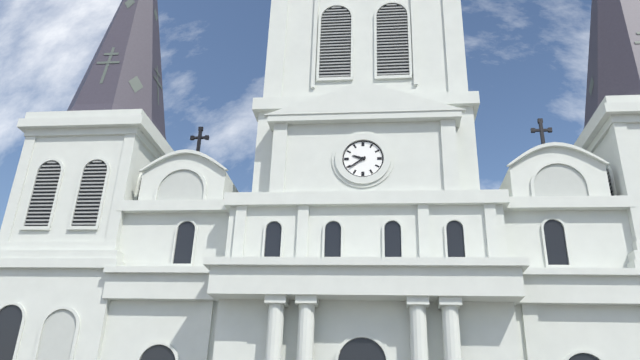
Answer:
9,39
